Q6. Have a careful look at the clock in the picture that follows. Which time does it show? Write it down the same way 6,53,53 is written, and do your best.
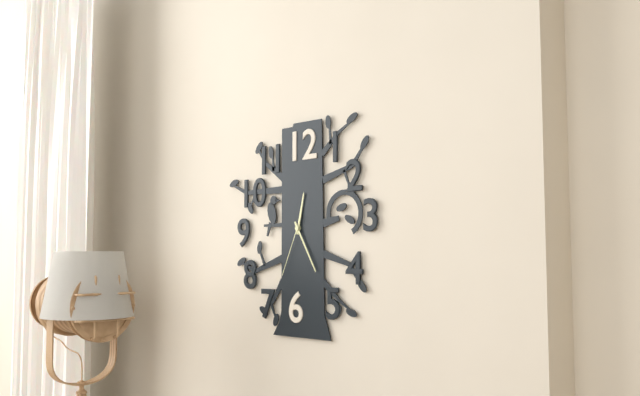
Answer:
12,25,34
